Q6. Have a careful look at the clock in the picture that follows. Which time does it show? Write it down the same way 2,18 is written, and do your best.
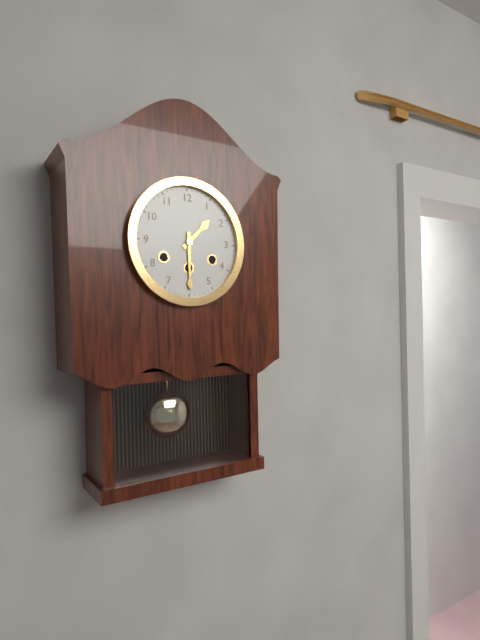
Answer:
1,30
